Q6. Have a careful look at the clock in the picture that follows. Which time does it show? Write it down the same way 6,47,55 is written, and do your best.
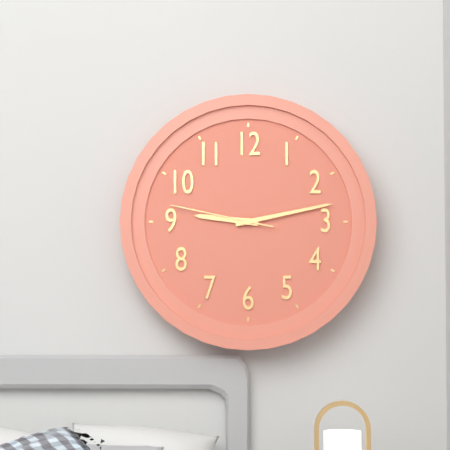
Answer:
9,13,47
